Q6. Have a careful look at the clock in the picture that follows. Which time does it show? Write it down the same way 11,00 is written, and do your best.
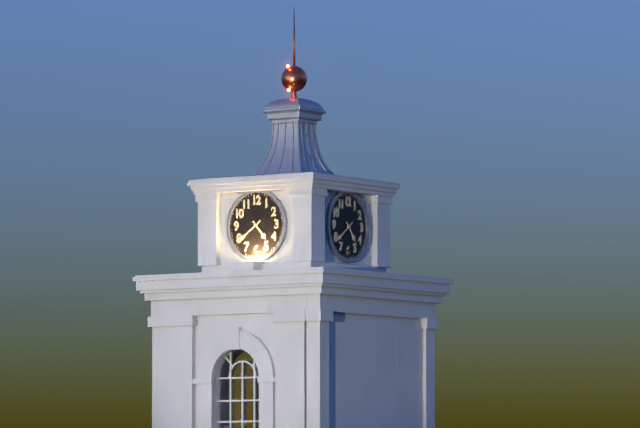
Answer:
4,39
